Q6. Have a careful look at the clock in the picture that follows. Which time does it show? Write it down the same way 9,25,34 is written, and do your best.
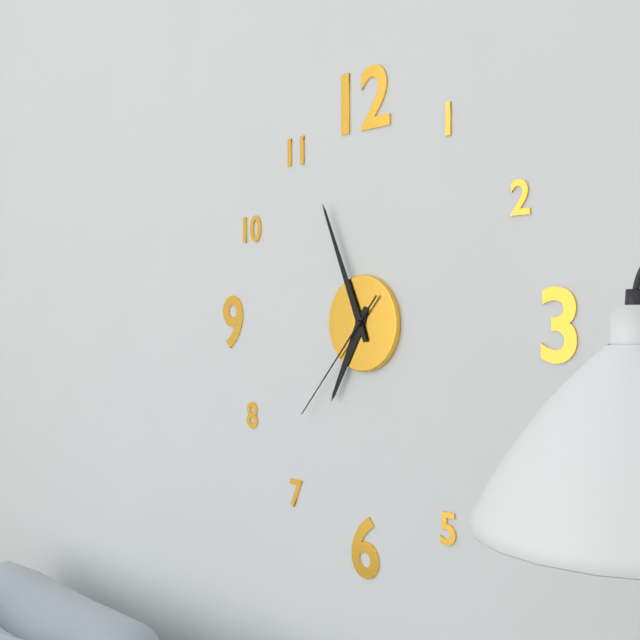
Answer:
6,56,37
